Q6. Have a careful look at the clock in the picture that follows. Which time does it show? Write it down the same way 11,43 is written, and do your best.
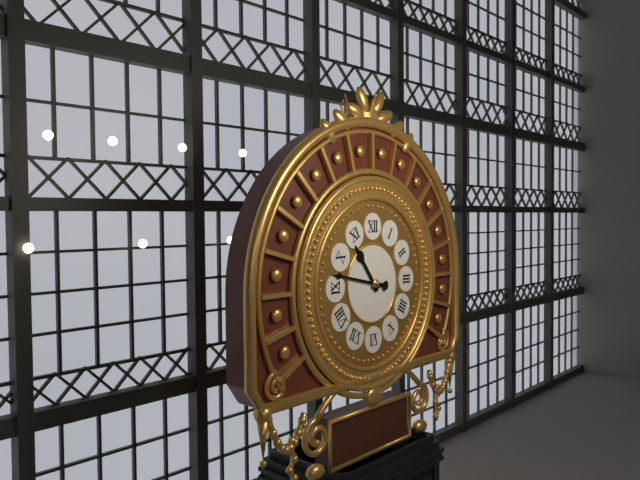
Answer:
10,47
